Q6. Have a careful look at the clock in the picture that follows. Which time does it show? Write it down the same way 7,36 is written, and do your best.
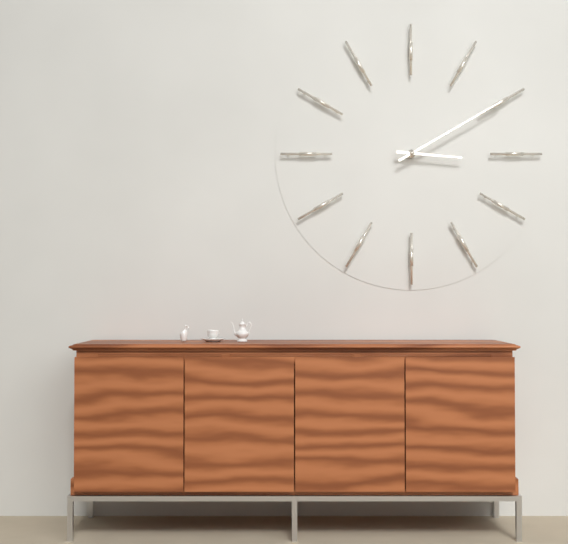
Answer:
3,10
